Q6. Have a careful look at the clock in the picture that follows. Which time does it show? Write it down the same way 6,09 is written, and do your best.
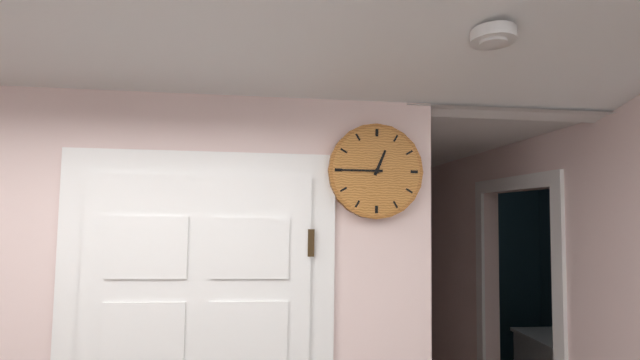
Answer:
12,45
